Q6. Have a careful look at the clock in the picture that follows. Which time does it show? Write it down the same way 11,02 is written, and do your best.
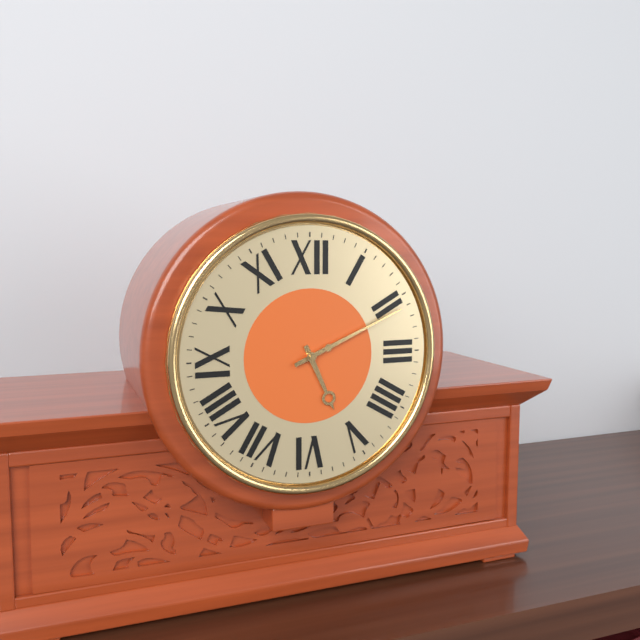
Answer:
5,11
